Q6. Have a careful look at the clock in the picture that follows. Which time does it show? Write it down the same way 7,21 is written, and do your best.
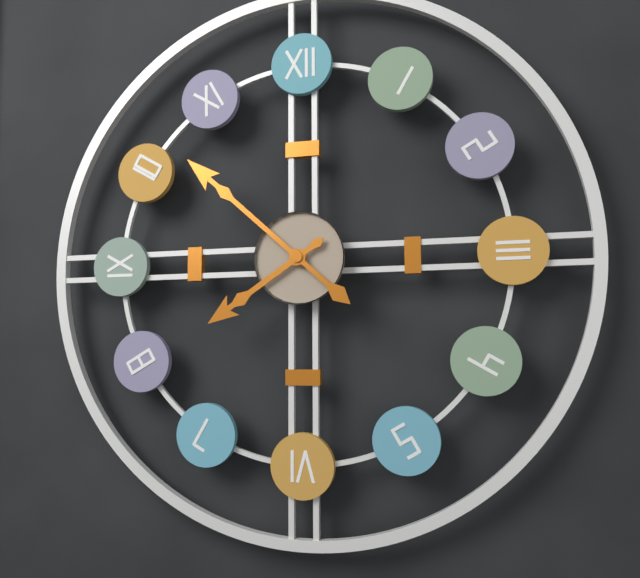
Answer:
7,52
